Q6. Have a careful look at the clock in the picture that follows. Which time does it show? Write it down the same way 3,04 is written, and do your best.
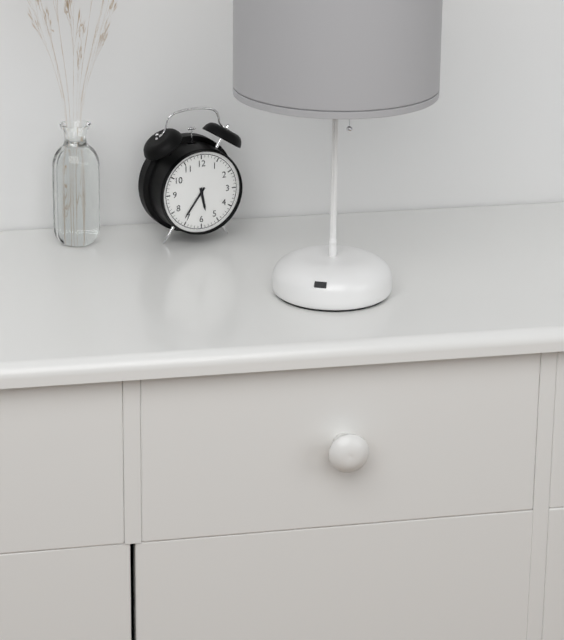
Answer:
5,36
